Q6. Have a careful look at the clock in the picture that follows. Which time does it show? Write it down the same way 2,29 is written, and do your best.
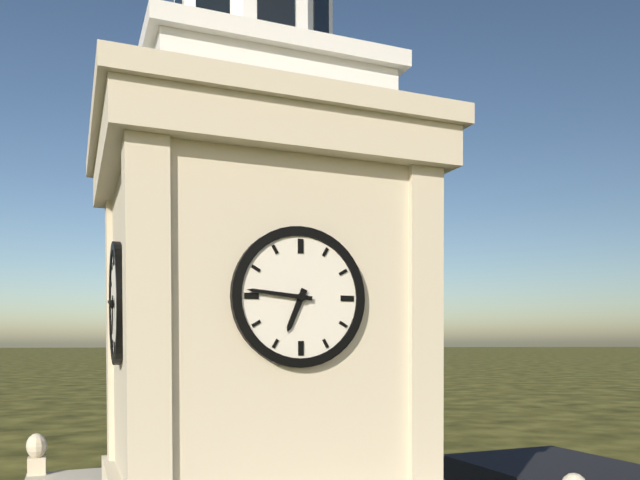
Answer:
6,46
